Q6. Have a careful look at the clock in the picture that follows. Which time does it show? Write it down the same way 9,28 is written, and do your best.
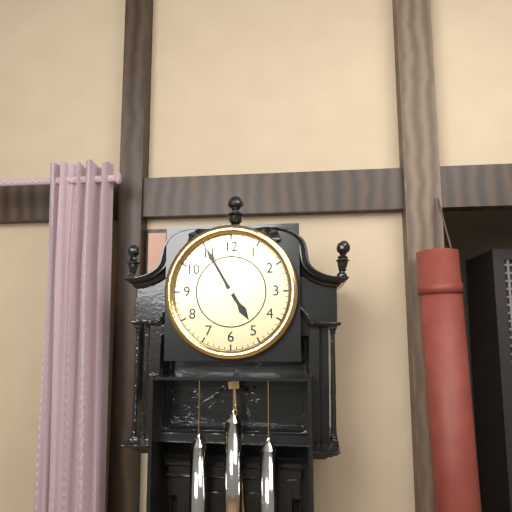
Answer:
4,55
